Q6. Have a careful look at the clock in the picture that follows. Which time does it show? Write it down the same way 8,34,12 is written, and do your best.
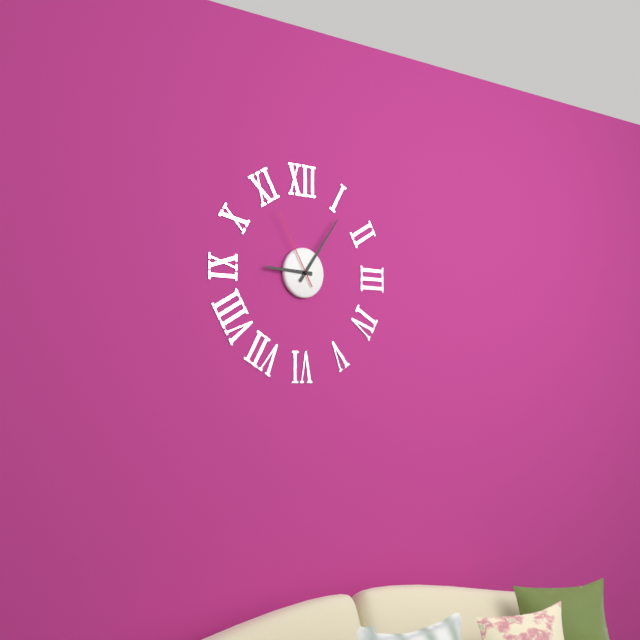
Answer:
9,06,55
